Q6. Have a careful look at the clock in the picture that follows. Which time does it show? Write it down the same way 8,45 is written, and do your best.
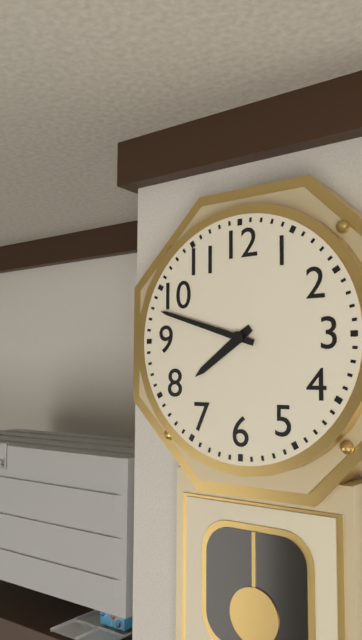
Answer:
7,48
